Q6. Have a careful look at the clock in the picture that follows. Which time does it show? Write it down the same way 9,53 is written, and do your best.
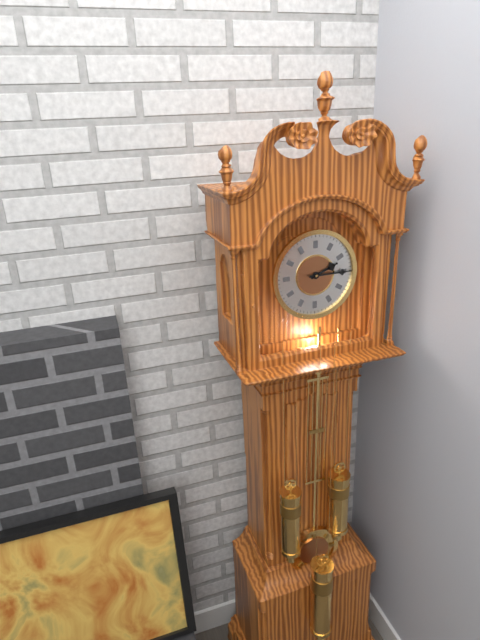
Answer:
2,15
